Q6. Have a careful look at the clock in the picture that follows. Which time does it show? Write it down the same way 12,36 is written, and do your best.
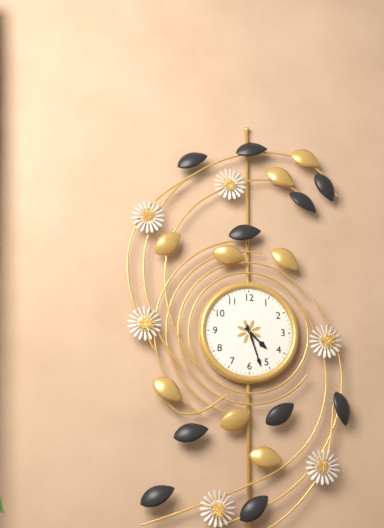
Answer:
4,27
